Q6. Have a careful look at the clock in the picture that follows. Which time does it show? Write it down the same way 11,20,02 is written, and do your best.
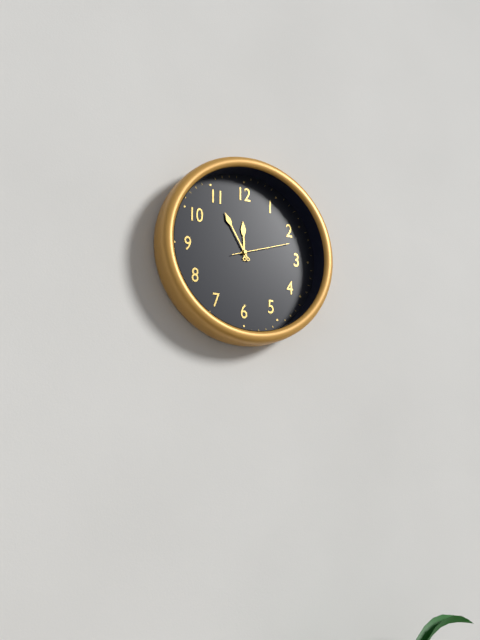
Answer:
11,55,12
